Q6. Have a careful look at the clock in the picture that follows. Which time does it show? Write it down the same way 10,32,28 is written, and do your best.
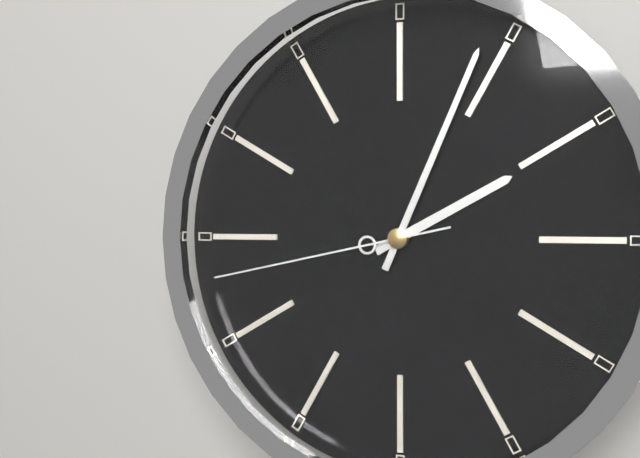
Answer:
2,04,43
